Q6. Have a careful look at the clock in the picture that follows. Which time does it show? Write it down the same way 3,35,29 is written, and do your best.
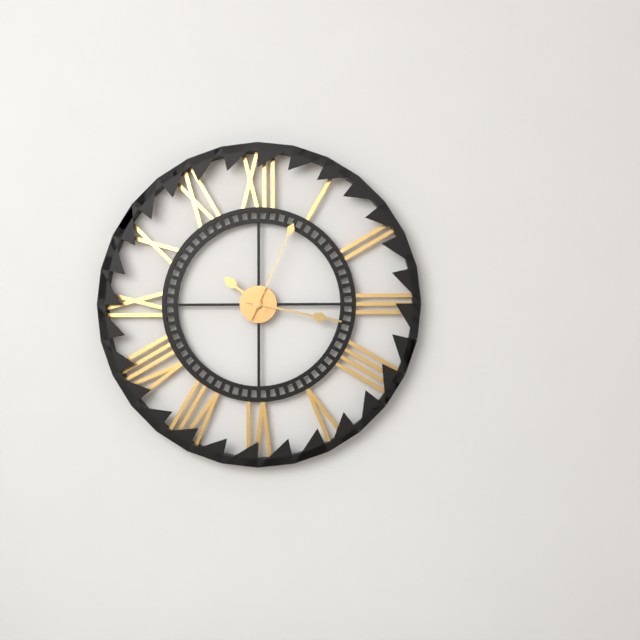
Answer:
10,17,04
